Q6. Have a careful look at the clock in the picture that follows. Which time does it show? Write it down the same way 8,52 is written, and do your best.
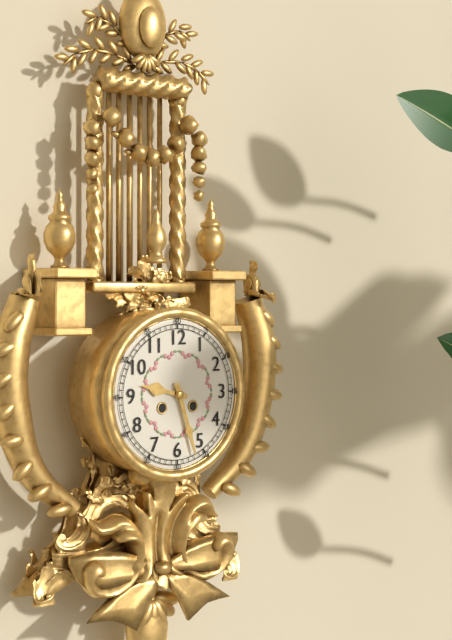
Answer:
9,27
